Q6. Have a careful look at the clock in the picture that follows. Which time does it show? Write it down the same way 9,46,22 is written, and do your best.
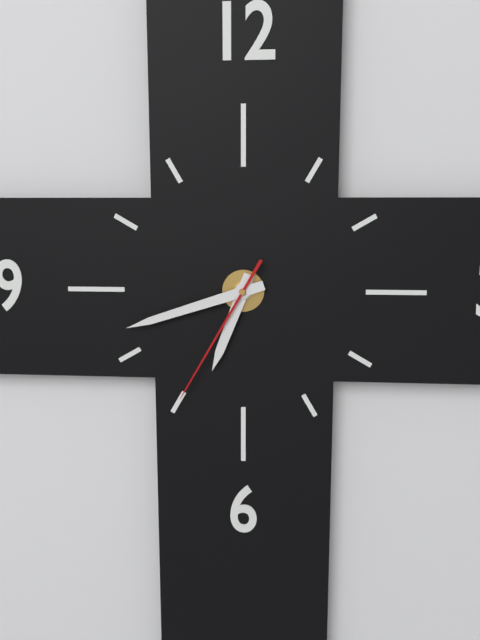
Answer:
6,42,35
